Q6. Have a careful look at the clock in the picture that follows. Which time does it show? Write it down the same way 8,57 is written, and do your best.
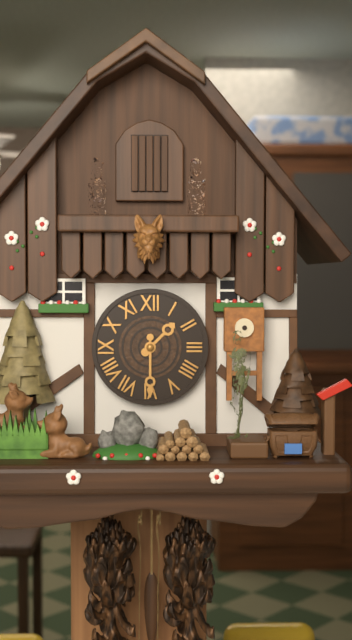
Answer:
1,30
